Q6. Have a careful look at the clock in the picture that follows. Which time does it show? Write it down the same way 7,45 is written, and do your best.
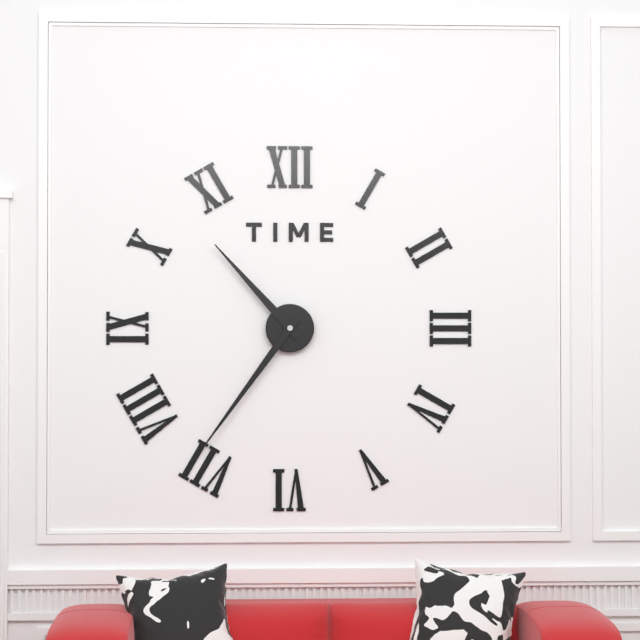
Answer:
10,36
